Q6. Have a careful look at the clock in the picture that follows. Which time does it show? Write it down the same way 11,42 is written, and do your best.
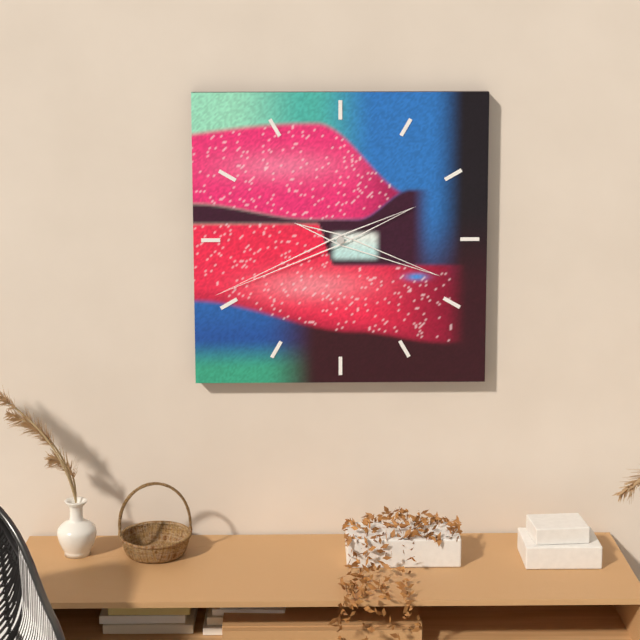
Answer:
3,41
